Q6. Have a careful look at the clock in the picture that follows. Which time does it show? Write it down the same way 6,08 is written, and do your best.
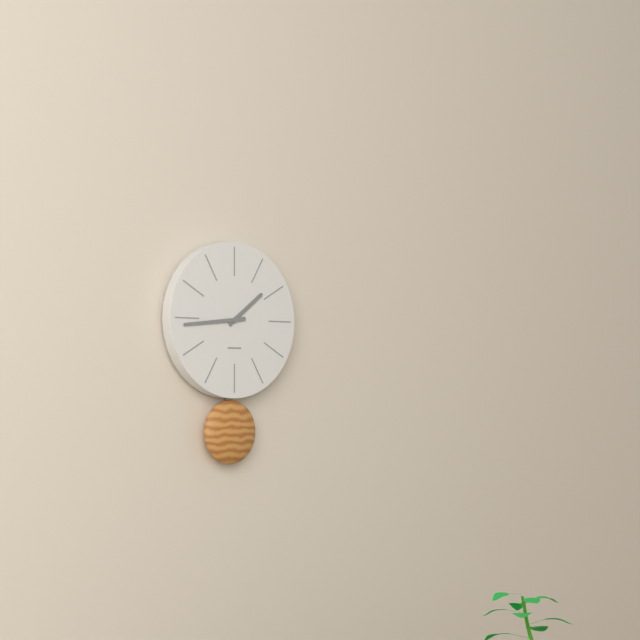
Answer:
1,44
